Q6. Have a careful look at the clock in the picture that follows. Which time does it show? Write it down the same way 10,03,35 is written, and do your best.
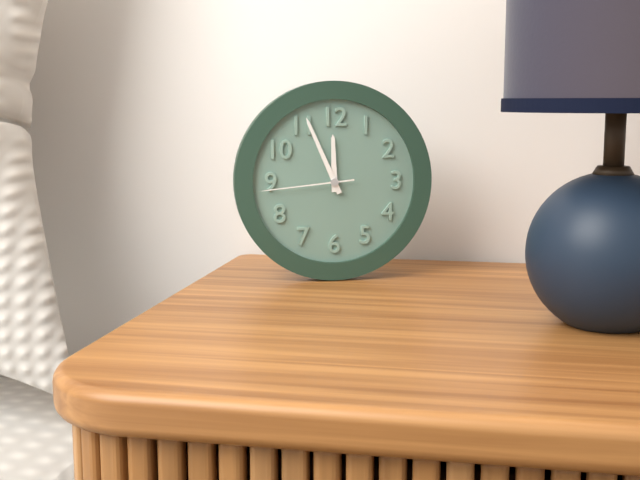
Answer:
11,56,44
